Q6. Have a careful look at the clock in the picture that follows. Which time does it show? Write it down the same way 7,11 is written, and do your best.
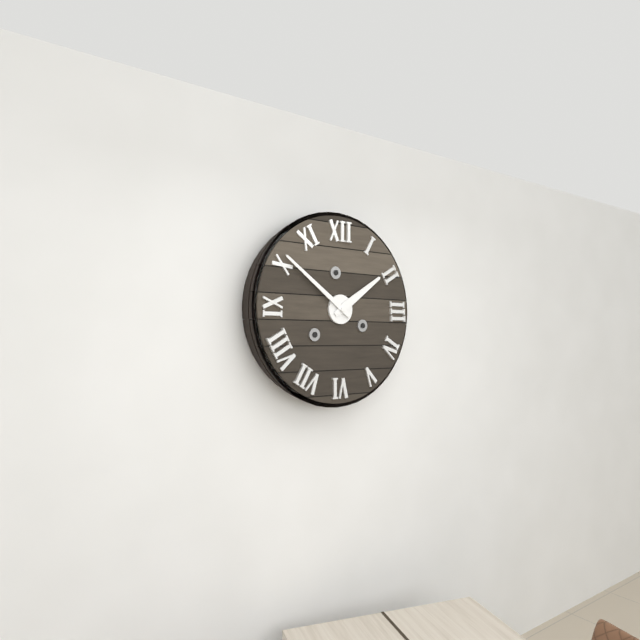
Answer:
1,51
